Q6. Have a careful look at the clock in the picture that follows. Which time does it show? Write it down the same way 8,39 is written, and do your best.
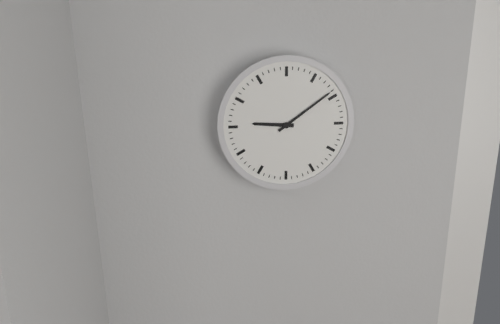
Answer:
9,09
